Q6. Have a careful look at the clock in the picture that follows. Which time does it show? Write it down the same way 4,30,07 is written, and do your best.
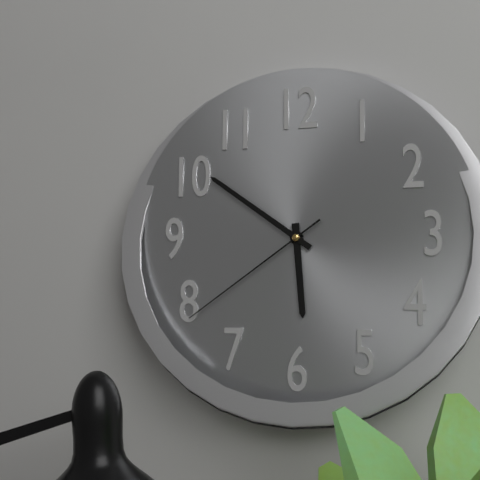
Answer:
5,51,39
